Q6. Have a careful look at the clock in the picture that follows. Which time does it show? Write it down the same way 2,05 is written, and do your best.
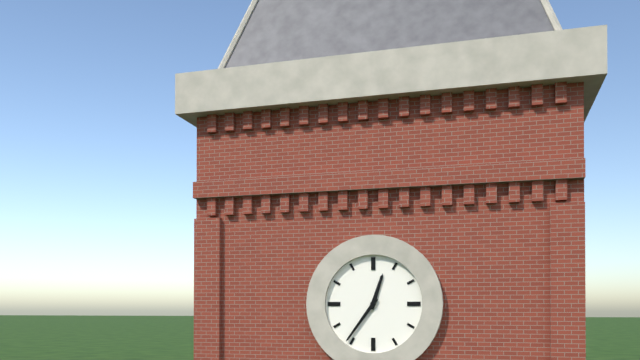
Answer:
12,36
